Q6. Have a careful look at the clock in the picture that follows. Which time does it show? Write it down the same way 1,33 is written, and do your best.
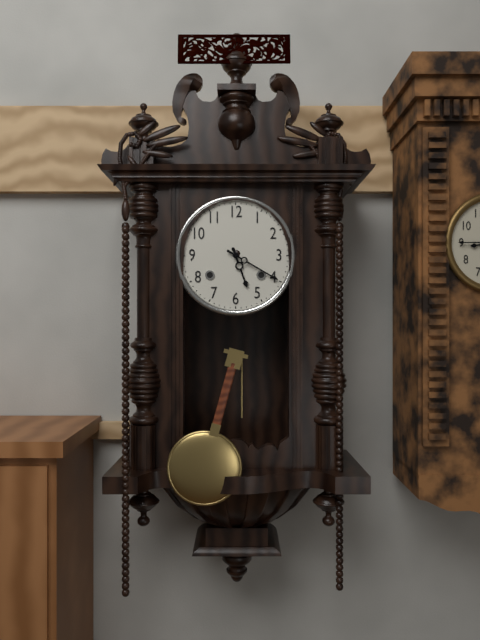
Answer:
5,20
